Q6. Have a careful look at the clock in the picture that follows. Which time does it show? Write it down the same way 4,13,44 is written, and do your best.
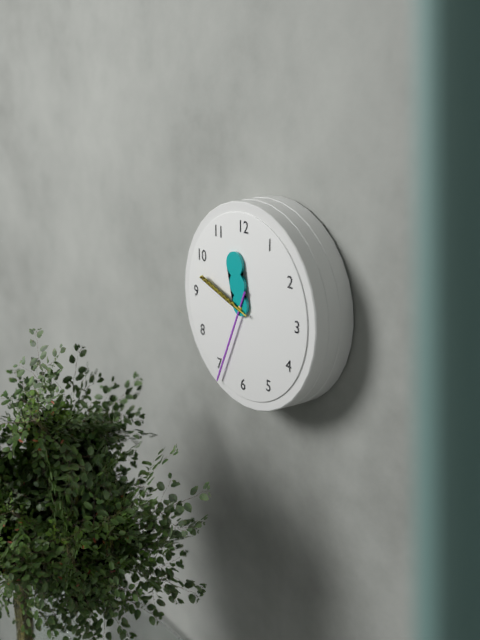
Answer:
11,34,48
